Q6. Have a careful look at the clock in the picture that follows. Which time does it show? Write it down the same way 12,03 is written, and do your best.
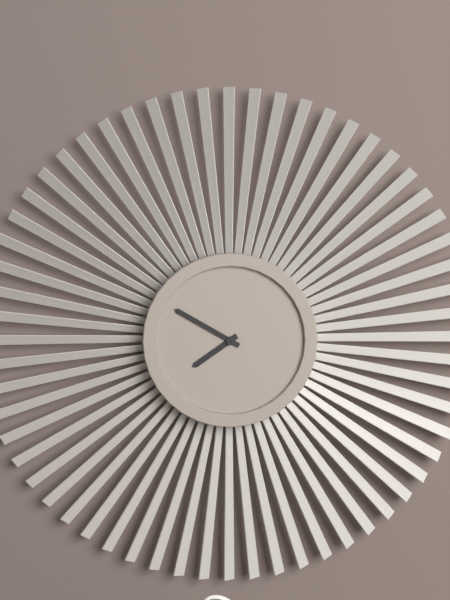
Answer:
7,50
